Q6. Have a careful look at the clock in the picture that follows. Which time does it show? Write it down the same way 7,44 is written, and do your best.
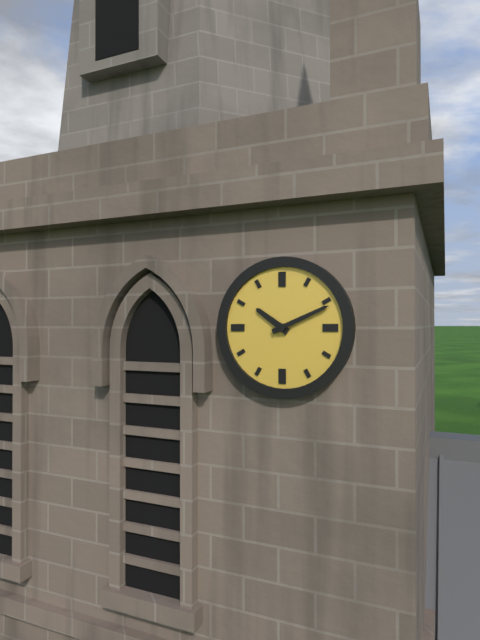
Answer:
10,11
